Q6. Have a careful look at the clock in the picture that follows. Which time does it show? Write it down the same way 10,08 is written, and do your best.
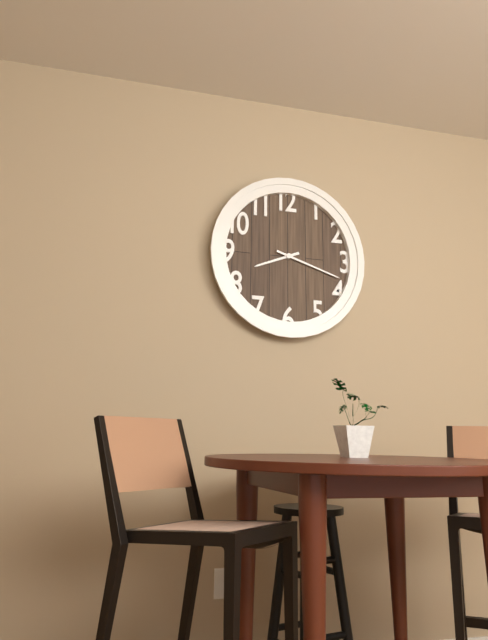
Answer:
8,18
